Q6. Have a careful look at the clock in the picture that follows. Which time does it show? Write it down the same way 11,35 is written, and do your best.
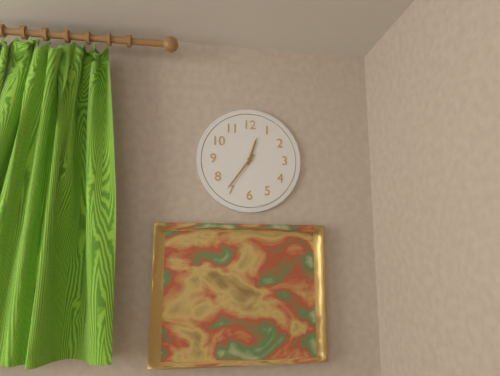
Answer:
12,36
